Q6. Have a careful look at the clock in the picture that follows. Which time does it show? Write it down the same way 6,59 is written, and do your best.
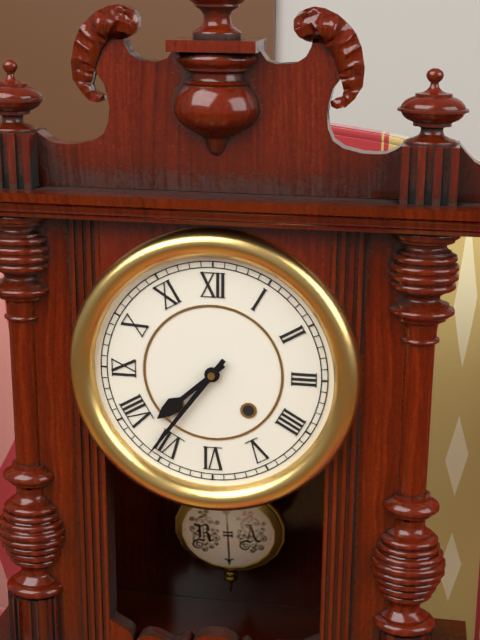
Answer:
7,36
